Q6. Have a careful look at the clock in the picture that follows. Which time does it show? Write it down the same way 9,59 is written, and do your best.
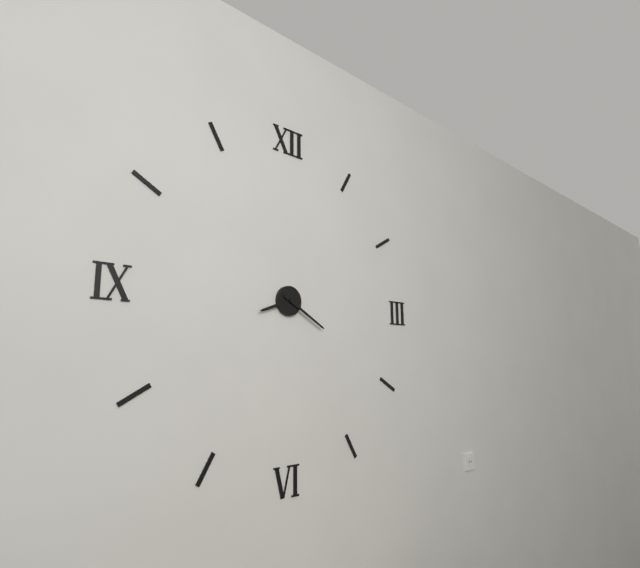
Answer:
8,20
